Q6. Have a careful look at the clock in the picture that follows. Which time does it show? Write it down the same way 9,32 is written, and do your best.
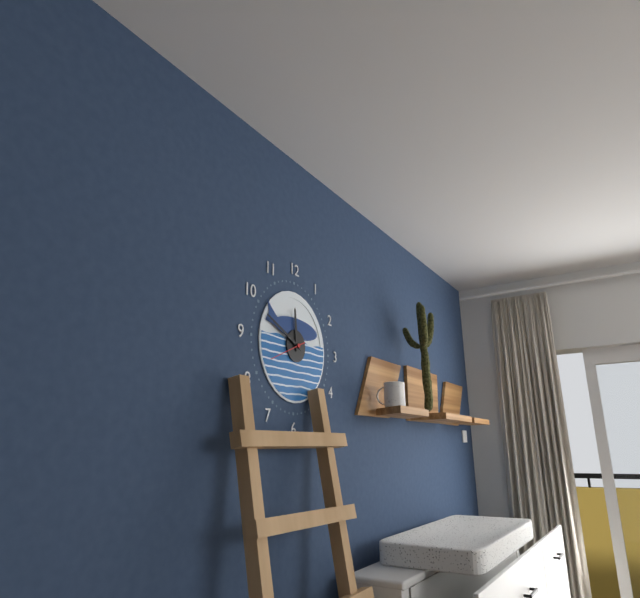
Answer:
11,49
